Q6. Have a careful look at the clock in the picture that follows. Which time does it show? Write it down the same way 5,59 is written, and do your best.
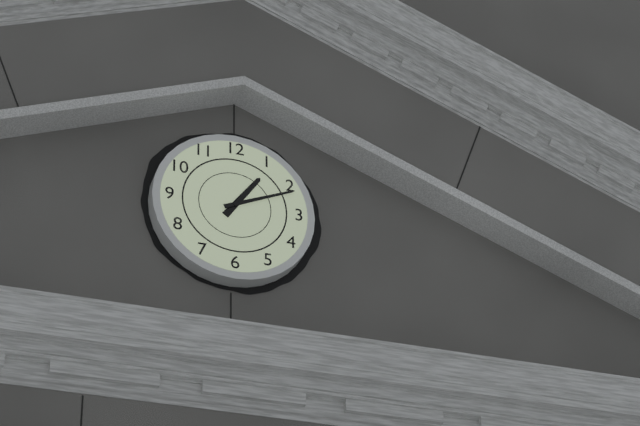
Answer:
1,11
